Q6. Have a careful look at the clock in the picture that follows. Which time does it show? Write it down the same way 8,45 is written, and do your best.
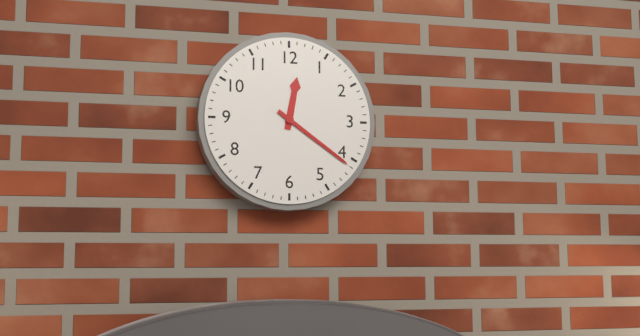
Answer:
12,21
